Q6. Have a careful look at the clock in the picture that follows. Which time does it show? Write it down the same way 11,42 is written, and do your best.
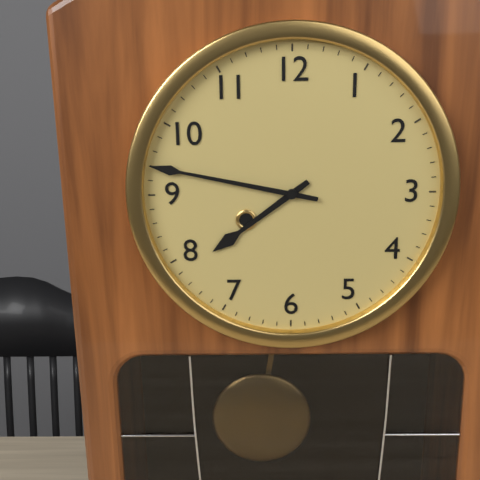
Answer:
7,47
